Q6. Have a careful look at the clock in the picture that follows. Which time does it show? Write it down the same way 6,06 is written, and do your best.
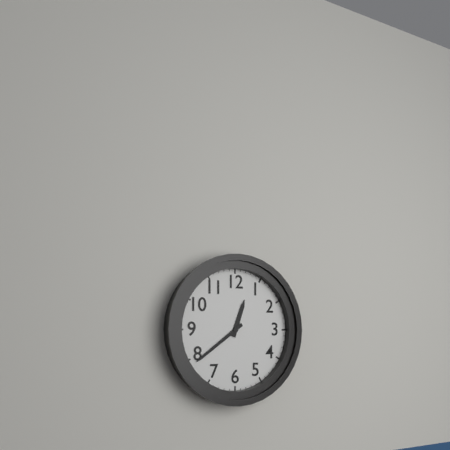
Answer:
12,39
